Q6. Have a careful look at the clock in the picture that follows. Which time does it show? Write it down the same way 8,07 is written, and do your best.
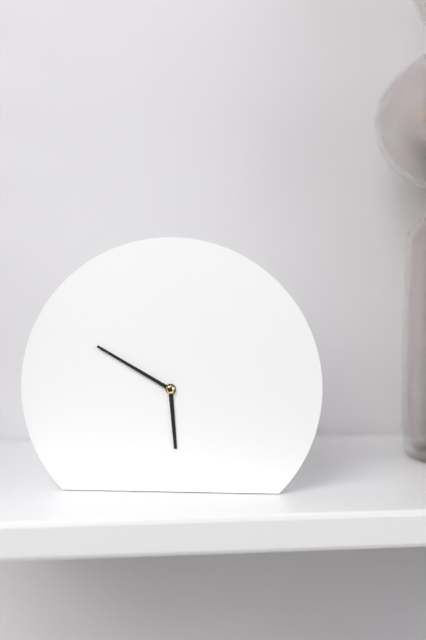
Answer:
5,50
